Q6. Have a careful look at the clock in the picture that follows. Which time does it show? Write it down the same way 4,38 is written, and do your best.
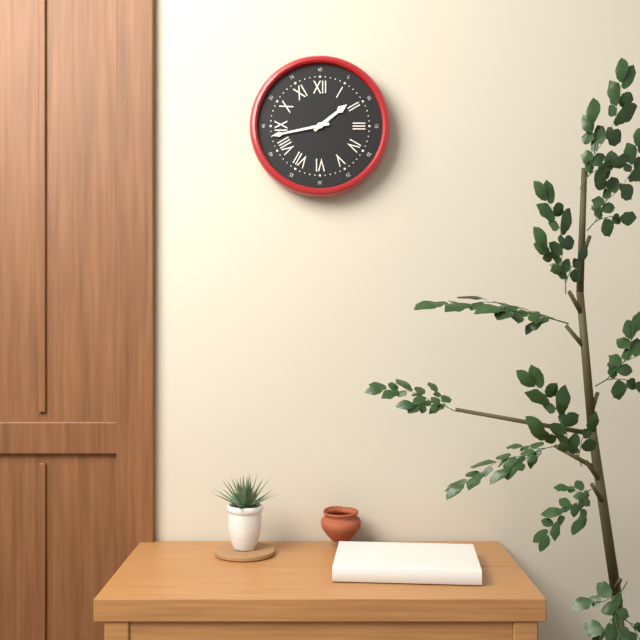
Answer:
1,43
